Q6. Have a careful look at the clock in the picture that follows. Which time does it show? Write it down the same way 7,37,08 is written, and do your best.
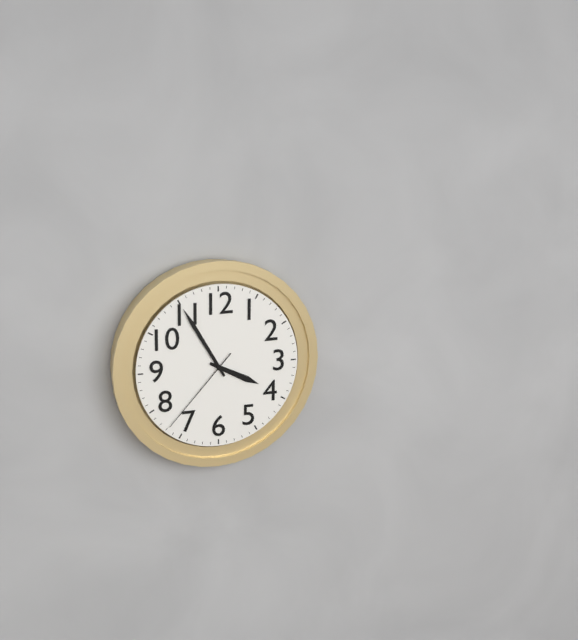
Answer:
3,55,37
